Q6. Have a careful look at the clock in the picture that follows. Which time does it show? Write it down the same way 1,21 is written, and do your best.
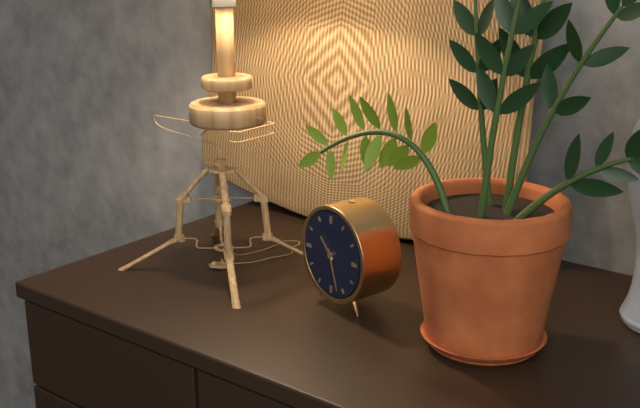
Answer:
10,27
